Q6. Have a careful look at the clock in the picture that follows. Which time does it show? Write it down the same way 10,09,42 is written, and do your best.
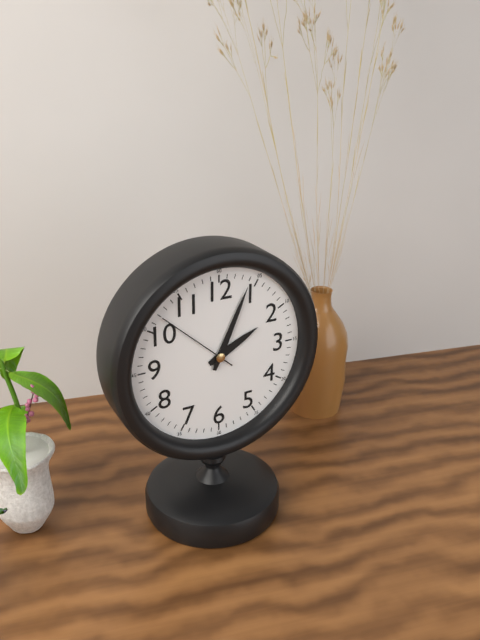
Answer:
2,04,52
